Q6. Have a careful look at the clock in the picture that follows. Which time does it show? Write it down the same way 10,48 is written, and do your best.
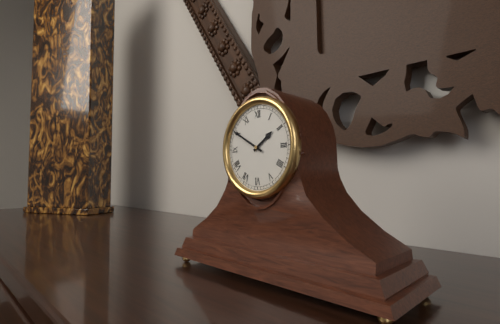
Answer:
1,50
